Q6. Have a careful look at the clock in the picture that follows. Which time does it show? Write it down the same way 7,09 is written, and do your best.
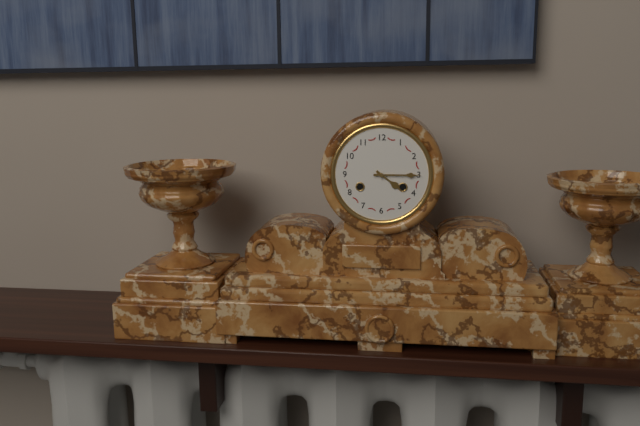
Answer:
4,15
